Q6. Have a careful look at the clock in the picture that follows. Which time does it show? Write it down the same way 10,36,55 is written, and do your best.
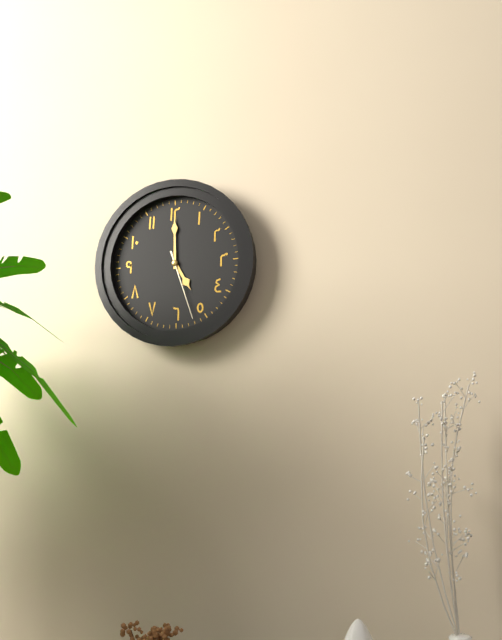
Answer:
5,00,27
